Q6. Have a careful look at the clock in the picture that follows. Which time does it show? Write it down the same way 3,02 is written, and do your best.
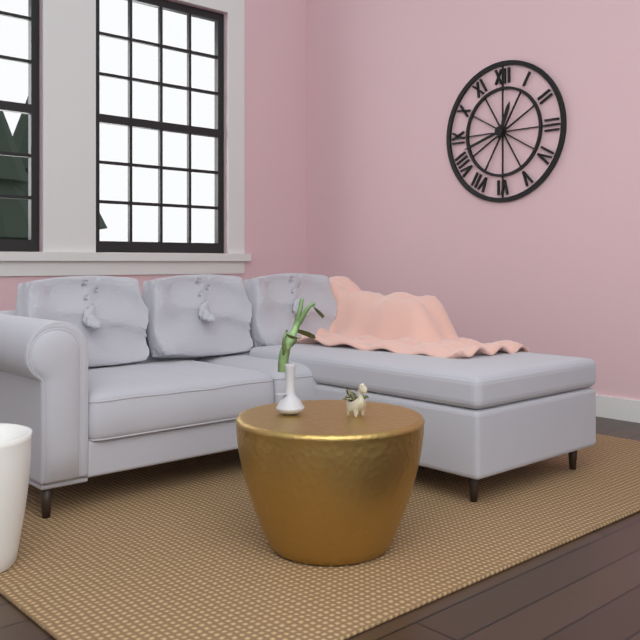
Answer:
12,42
